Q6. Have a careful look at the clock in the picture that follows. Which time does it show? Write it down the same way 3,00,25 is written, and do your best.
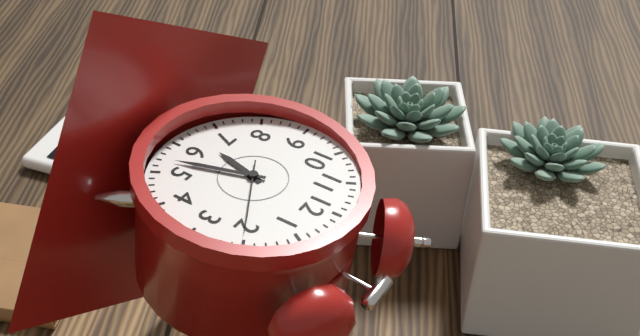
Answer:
6,27,10
